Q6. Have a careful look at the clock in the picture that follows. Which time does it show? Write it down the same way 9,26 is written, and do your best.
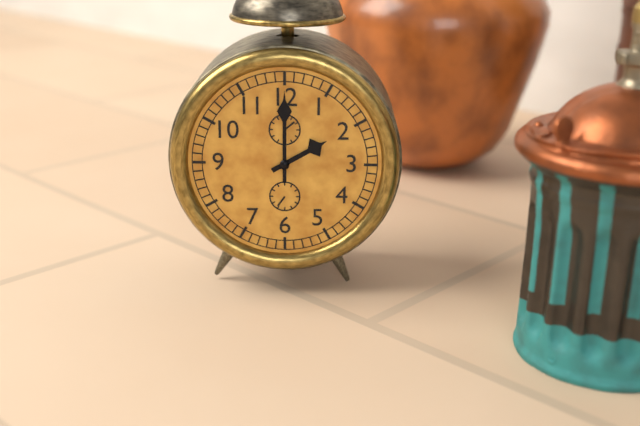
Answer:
2,00
